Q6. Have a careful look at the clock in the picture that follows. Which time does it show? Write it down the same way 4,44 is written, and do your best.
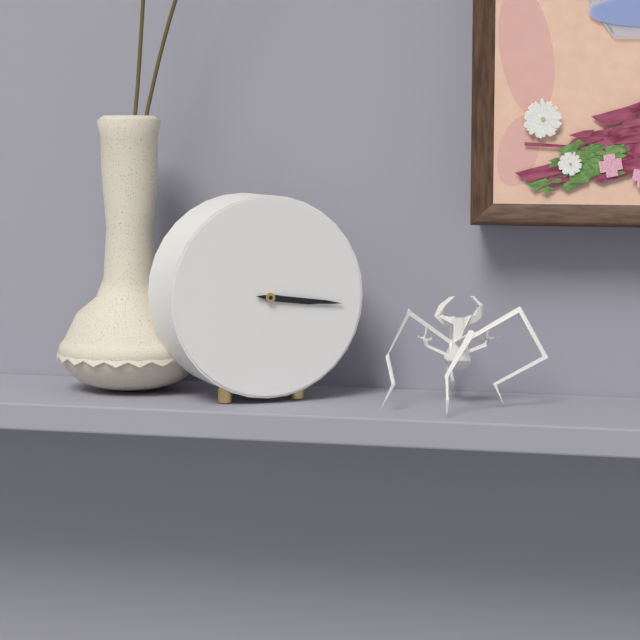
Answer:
3,16
